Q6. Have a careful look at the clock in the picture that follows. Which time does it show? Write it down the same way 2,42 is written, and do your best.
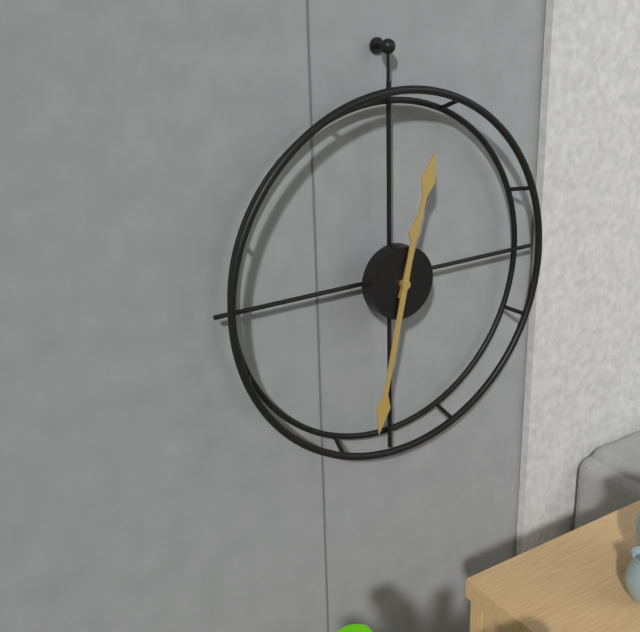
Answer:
12,32
